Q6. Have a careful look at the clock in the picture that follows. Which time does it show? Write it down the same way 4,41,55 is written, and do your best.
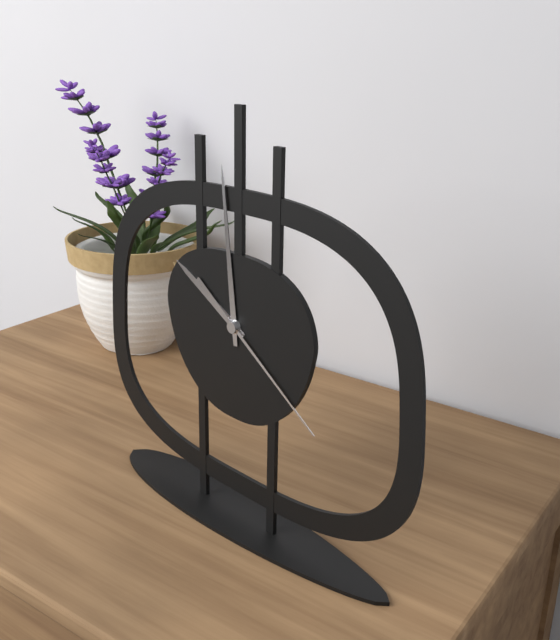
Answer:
9,59,21
